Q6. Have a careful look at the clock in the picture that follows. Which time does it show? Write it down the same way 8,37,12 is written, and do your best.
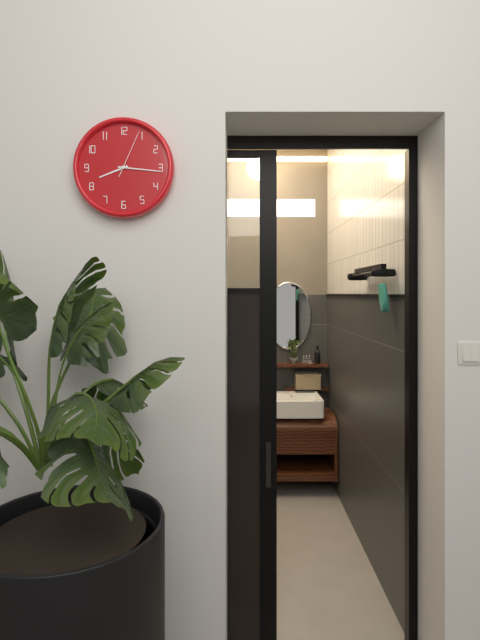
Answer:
8,16,04
